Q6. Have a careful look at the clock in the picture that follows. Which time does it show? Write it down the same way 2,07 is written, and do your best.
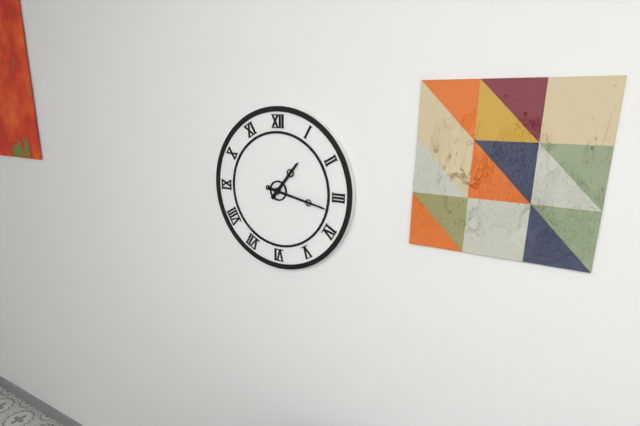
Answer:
1,17
